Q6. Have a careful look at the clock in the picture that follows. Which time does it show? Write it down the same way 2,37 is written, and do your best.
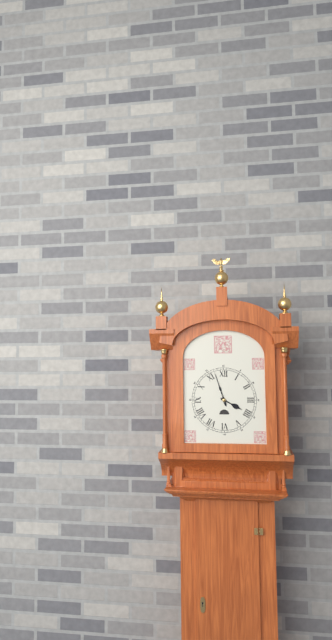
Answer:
3,57
